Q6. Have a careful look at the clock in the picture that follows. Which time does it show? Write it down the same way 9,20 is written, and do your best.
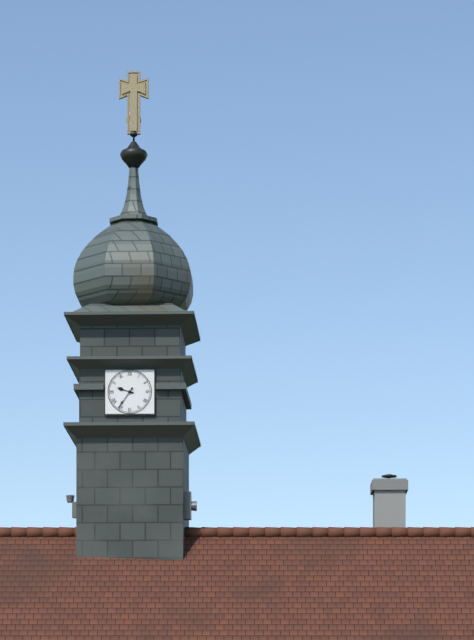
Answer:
9,36
